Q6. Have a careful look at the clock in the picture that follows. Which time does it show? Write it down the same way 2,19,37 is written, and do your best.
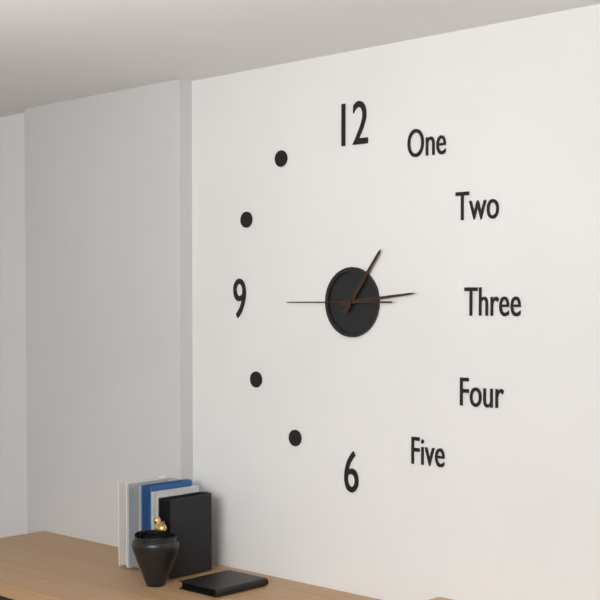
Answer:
1,14,45
